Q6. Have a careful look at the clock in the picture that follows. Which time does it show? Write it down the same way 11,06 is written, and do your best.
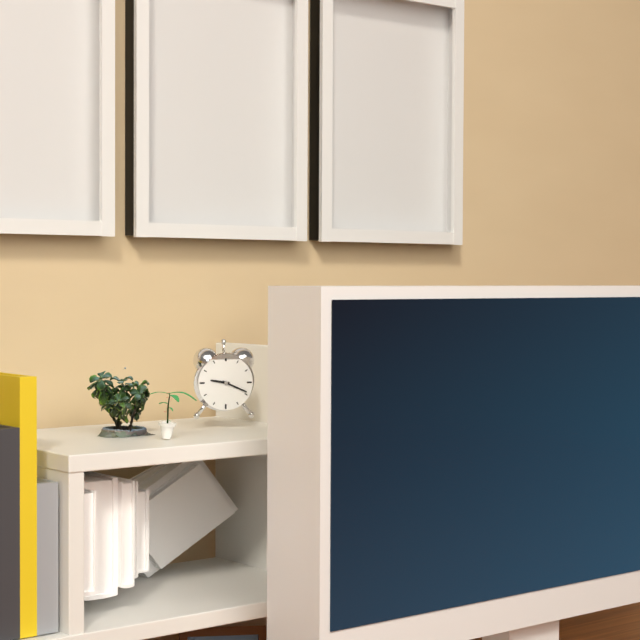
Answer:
9,19
